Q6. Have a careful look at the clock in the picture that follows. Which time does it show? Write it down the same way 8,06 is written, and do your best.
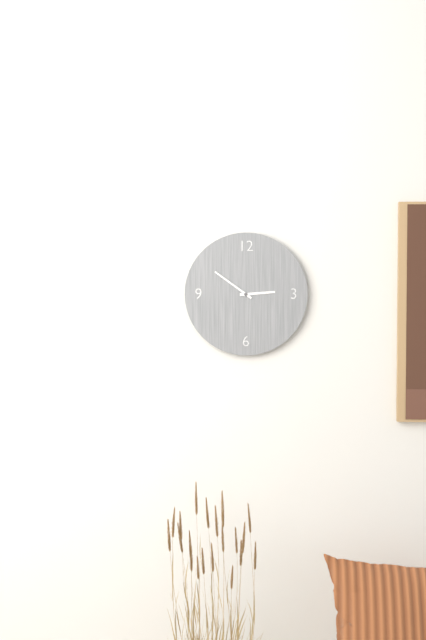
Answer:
2,51
